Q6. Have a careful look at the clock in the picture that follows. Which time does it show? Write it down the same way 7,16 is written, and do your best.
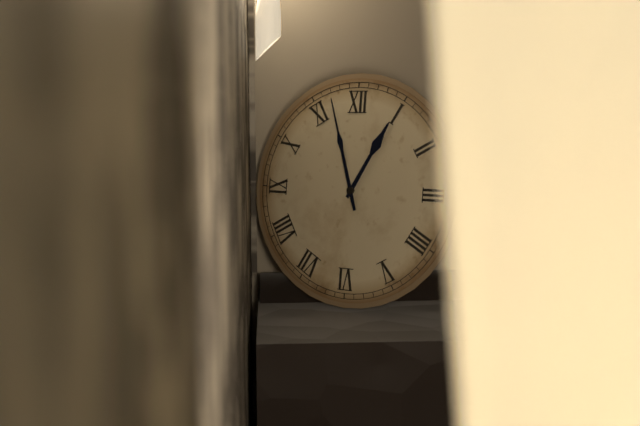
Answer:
12,57
